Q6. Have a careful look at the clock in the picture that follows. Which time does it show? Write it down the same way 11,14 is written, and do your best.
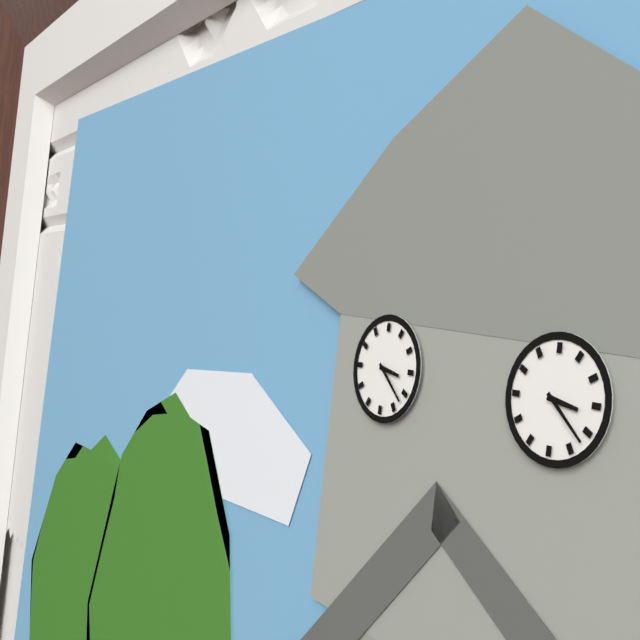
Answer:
3,22
